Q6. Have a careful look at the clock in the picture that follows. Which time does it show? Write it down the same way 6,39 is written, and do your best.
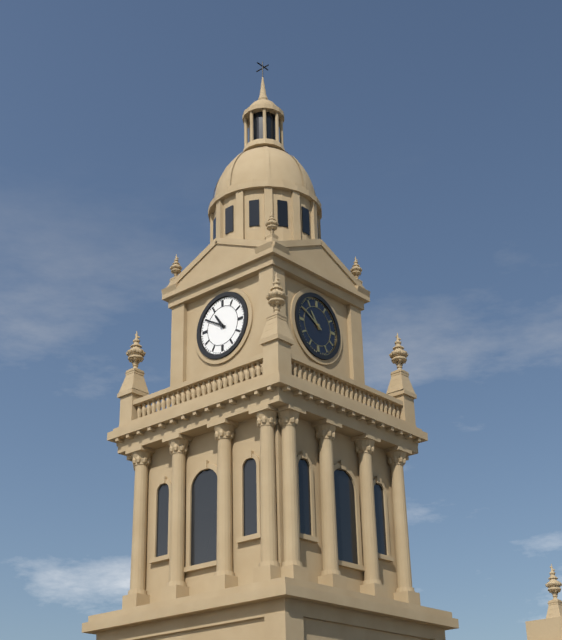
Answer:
10,50
